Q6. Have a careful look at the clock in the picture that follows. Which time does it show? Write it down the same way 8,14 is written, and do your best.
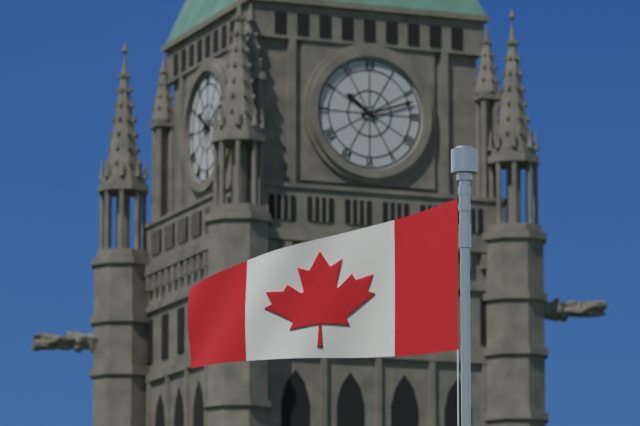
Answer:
10,12
